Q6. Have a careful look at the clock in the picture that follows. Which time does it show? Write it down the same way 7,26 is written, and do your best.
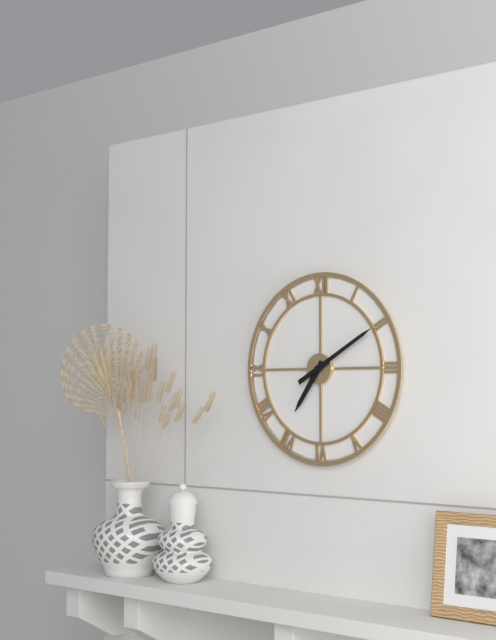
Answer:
7,10
